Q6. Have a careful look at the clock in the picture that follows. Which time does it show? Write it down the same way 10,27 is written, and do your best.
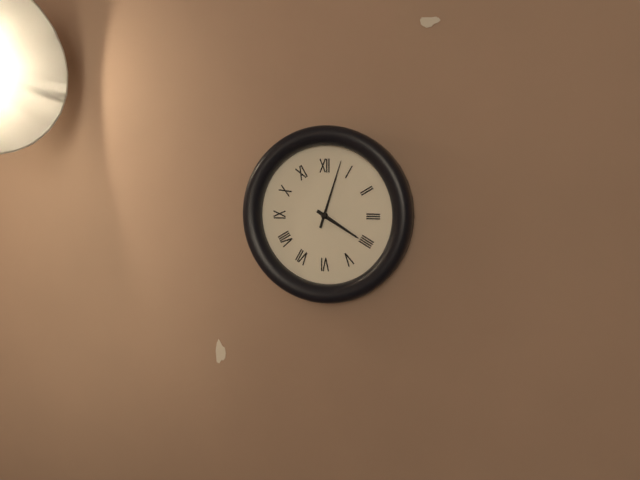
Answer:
4,03
